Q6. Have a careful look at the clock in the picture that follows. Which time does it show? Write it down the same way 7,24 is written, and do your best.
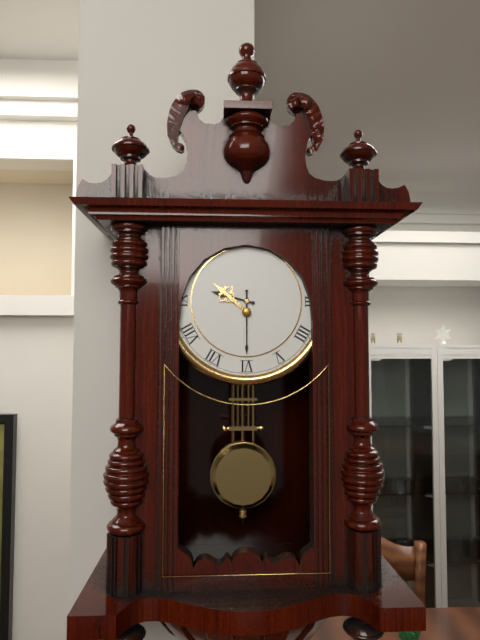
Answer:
9,30
